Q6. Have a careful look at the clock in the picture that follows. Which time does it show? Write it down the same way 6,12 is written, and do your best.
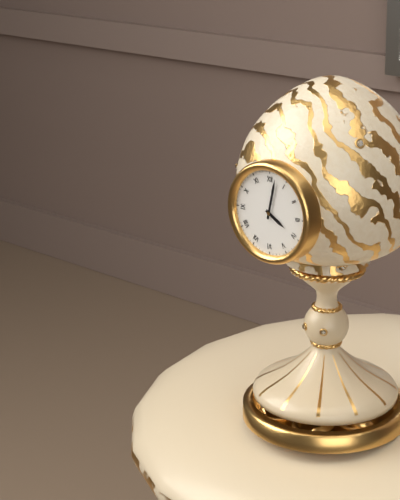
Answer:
4,02
